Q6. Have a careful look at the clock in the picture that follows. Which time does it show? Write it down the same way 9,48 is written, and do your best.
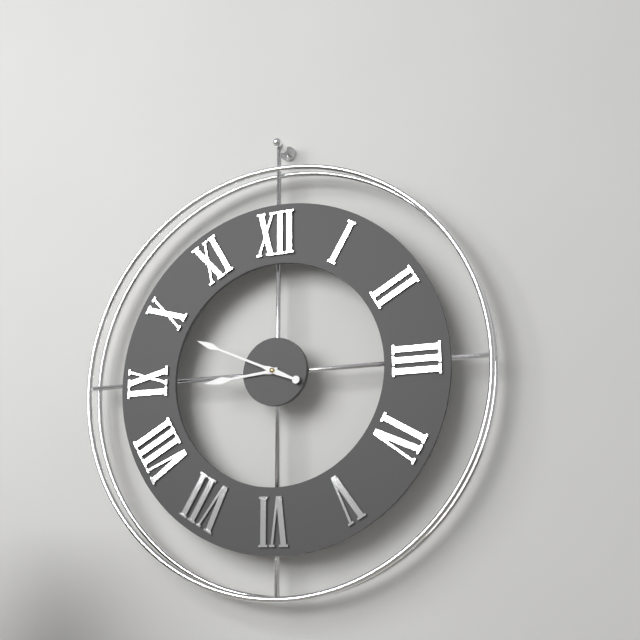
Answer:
8,49
